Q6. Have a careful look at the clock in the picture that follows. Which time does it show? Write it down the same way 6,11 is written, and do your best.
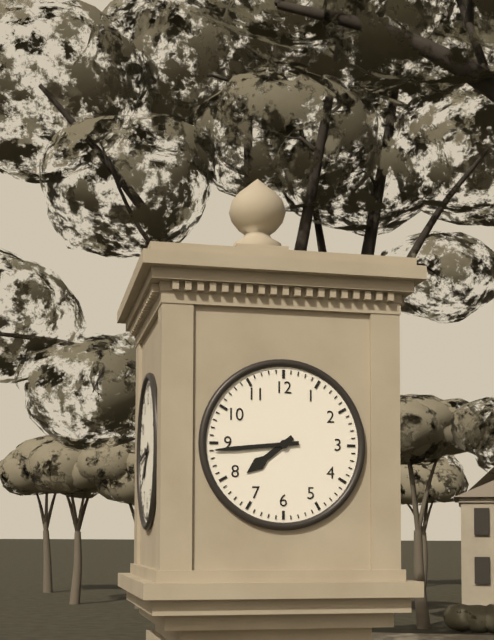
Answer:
7,44
